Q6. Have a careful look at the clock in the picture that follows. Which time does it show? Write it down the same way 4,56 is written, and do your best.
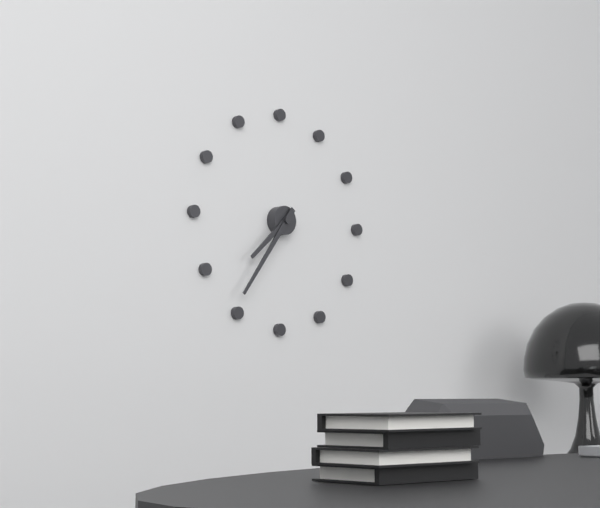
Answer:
7,36
